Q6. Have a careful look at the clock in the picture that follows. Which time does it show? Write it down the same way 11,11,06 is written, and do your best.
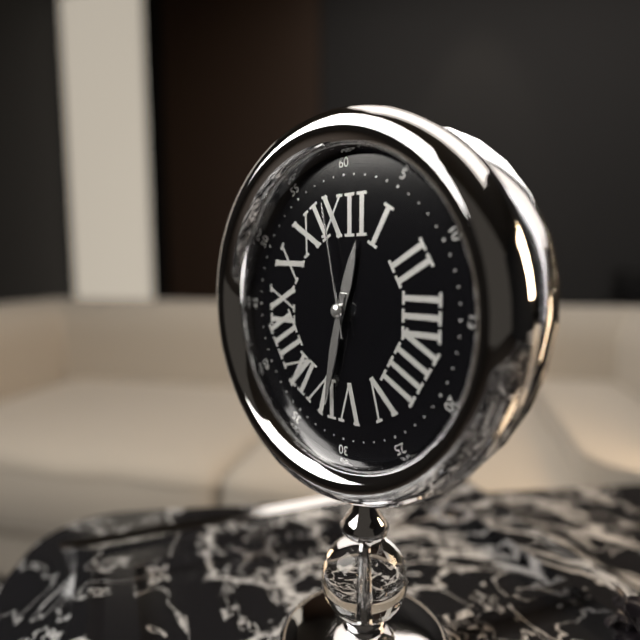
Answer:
12,32,58
